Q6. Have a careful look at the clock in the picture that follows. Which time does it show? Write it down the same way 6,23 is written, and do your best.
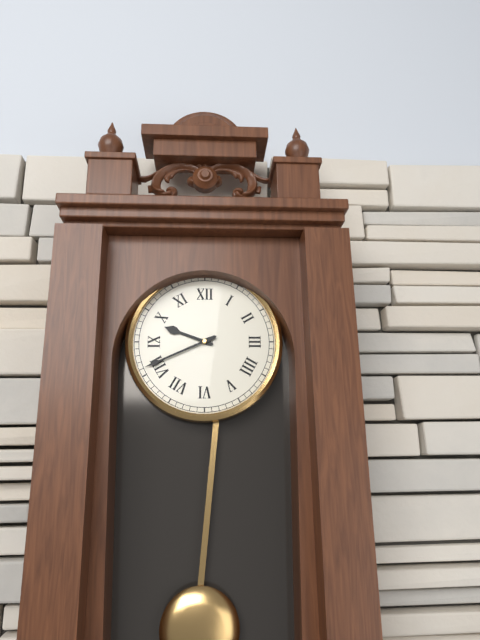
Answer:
9,41
